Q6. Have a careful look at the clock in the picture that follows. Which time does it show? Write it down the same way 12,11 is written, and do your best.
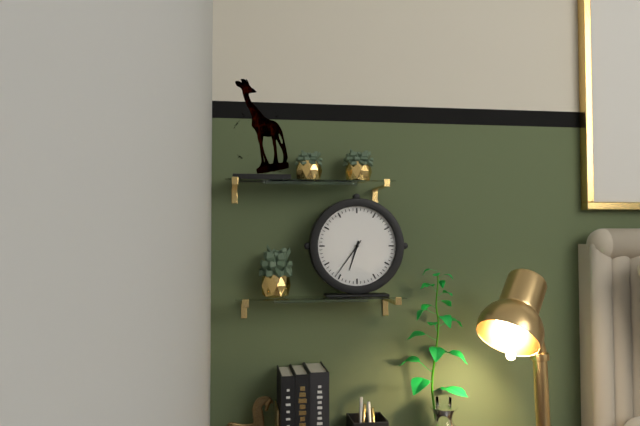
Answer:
6,36
